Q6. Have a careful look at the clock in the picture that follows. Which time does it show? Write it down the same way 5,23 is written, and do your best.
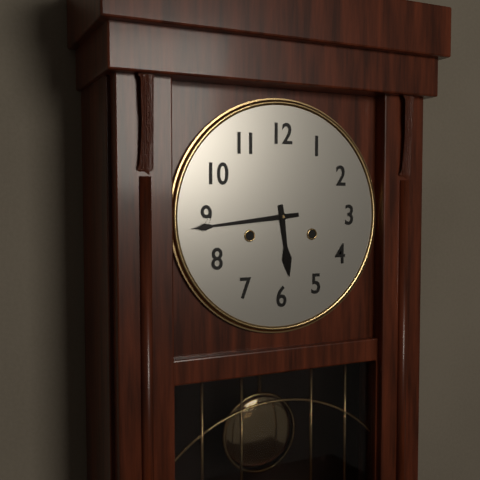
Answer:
5,44
